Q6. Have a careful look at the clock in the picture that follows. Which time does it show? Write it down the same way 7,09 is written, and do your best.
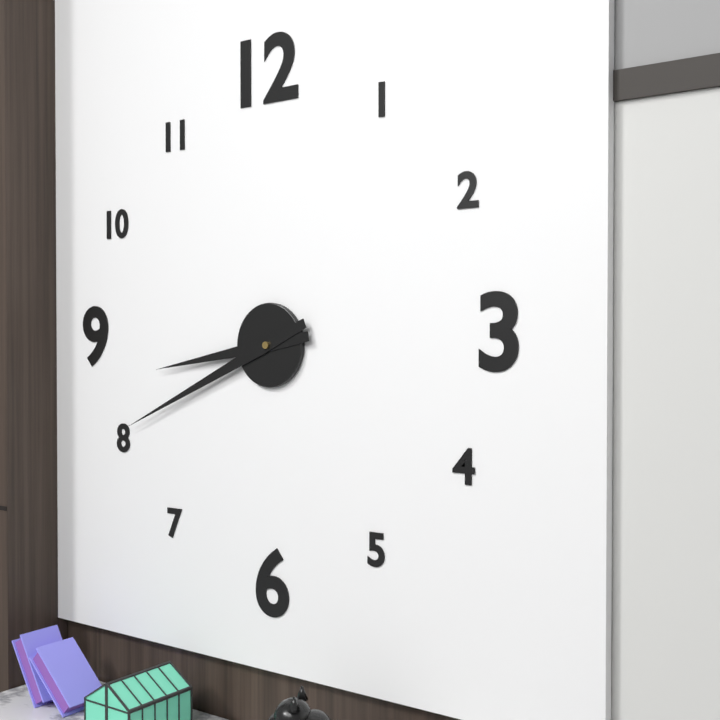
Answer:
8,41
